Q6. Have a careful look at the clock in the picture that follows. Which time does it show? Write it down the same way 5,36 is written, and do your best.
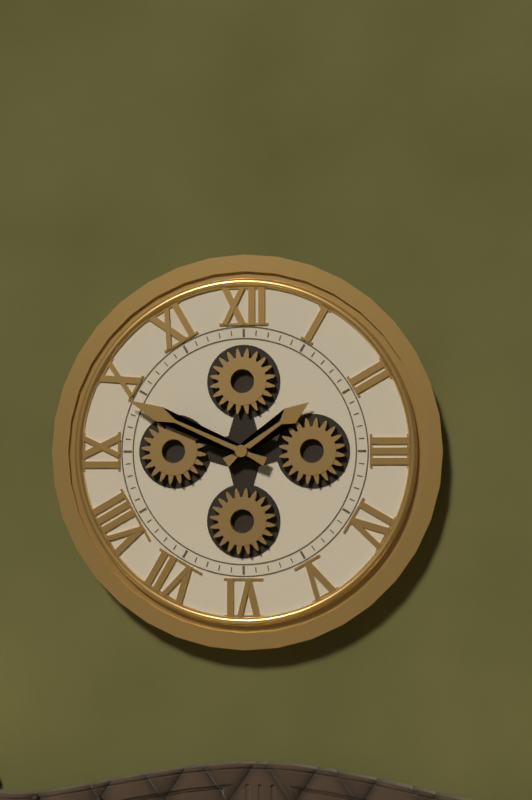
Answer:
1,49
